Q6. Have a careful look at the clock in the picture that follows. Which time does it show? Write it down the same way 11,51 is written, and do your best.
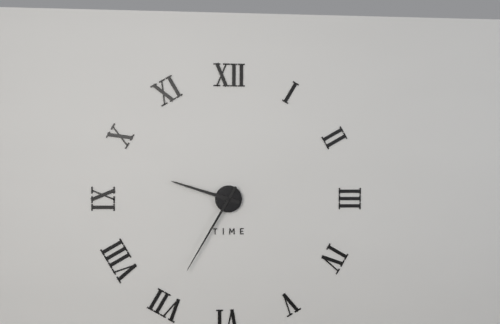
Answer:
9,35
